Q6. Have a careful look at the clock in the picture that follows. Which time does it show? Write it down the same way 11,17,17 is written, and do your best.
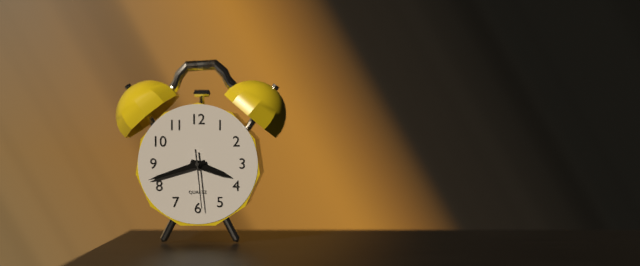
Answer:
3,42,29
